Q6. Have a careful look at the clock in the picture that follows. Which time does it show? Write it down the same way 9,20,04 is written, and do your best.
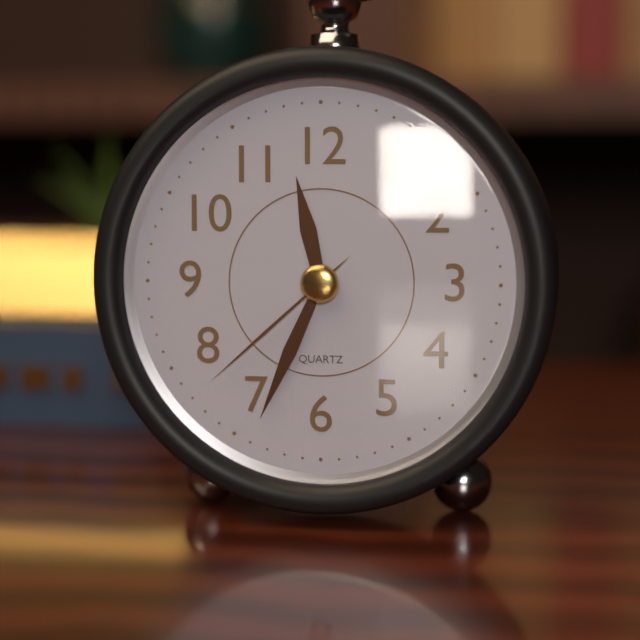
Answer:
11,34,38
